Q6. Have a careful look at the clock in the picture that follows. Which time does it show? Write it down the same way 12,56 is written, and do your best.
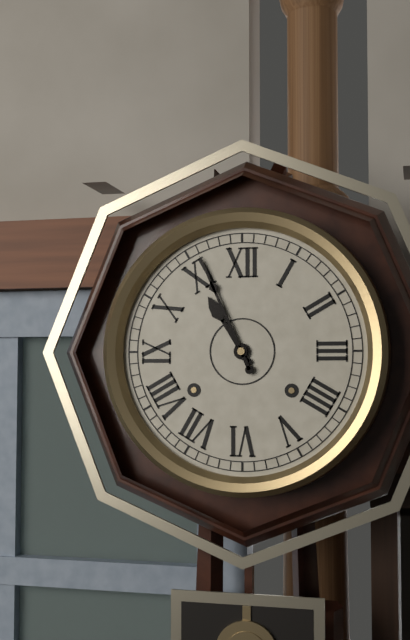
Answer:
10,56
